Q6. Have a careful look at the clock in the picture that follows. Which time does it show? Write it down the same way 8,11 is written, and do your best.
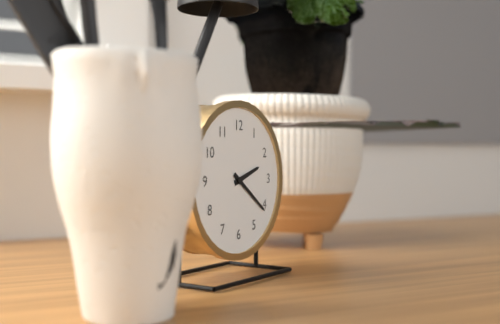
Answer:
2,21
